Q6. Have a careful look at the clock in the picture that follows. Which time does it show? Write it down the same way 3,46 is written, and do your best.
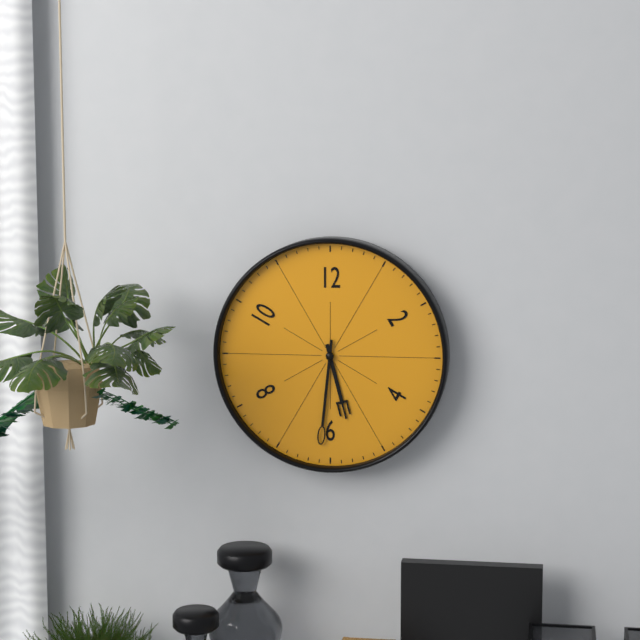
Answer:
5,31
